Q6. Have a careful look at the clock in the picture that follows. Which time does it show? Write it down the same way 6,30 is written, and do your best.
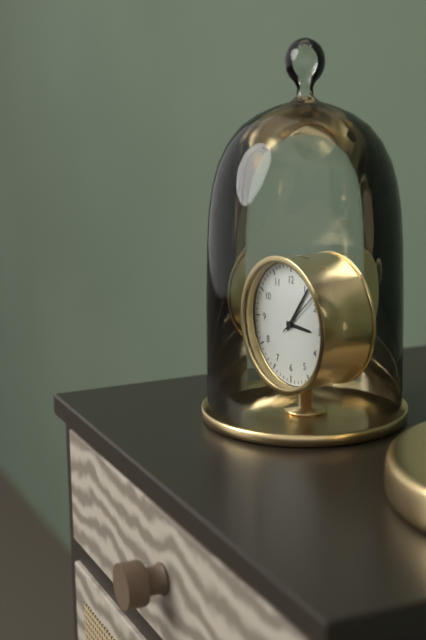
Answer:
3,06
